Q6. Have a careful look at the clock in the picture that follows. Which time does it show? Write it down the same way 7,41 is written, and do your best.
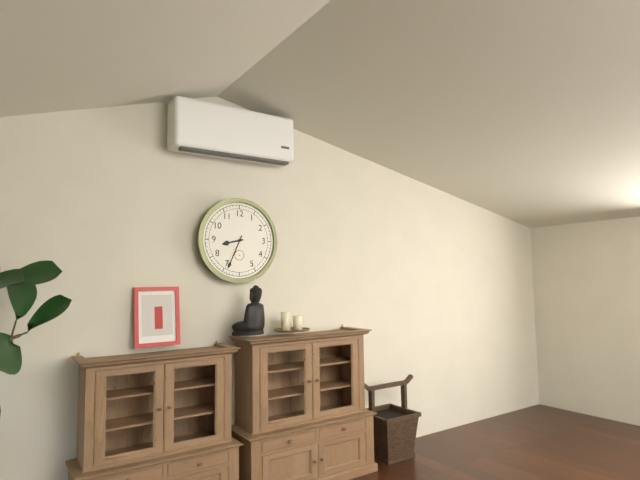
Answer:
8,34
